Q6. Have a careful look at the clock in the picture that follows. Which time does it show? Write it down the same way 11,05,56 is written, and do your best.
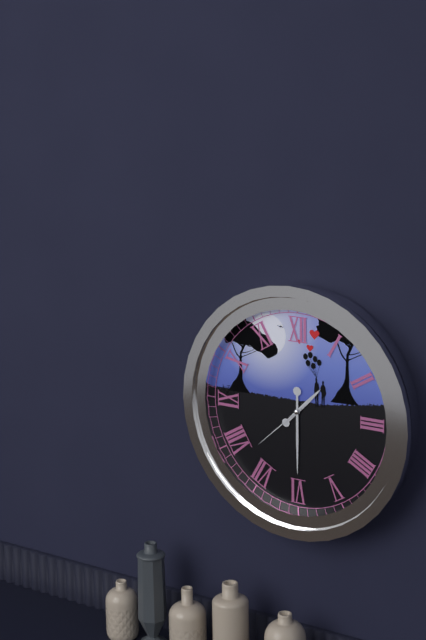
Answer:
1,30,38
